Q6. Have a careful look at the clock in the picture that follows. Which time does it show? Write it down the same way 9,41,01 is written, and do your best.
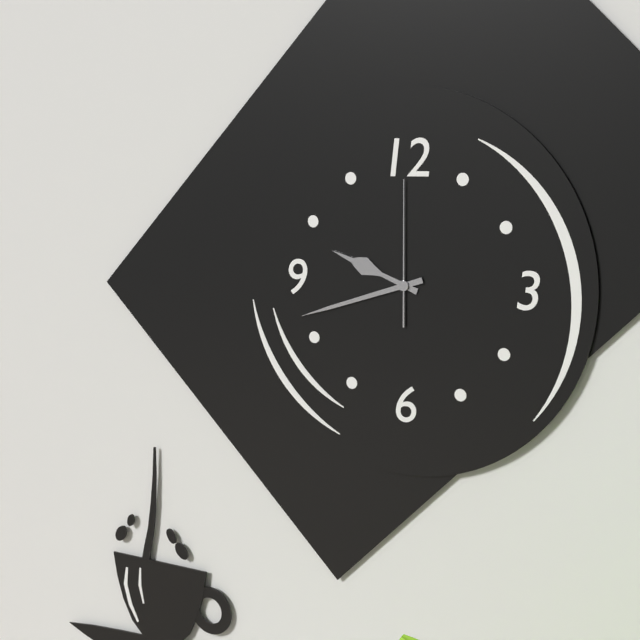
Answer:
9,42,00
